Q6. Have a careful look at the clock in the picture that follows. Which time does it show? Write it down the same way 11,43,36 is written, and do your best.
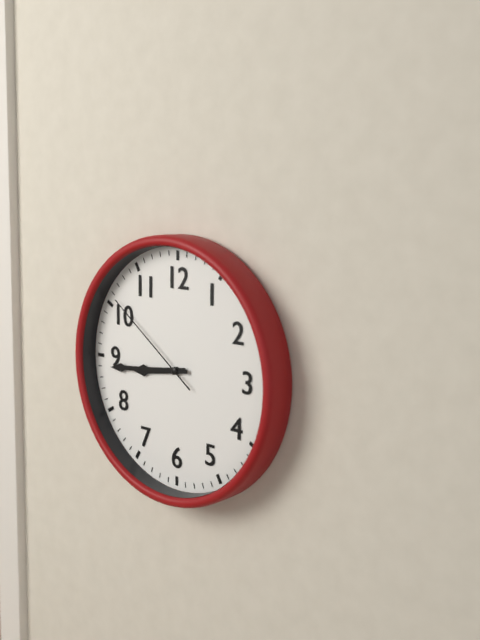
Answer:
8,44,51
